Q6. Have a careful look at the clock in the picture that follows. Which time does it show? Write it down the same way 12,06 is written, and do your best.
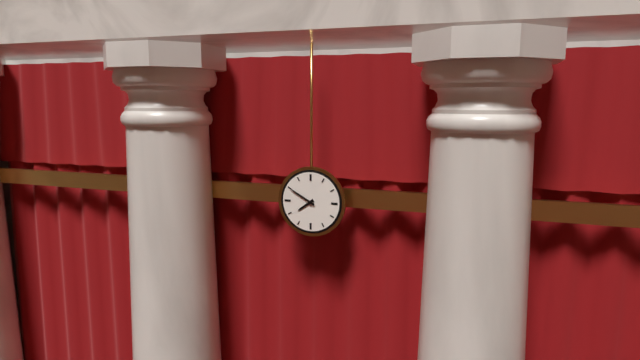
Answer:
7,50
